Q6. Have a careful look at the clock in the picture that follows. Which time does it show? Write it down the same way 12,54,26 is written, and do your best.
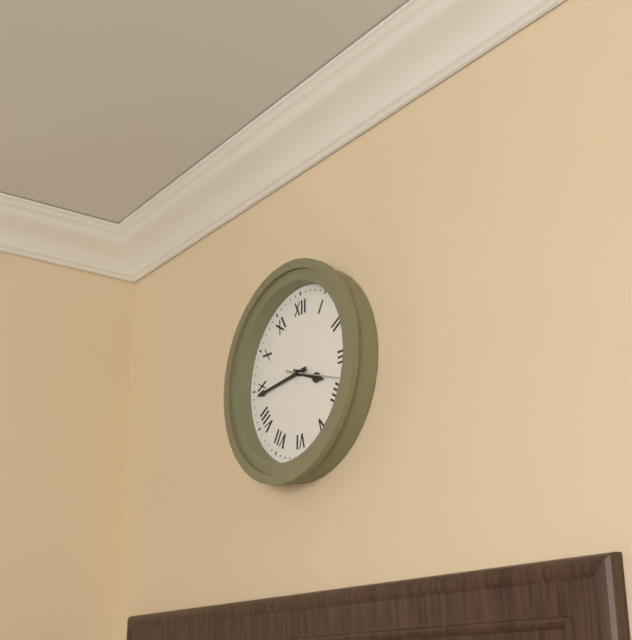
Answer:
3,44,18
